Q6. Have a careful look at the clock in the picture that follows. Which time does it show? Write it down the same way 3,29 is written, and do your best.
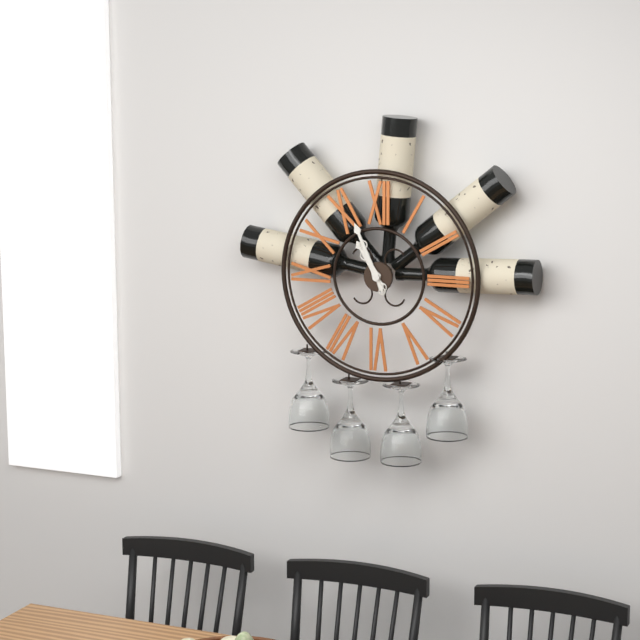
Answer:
10,56
